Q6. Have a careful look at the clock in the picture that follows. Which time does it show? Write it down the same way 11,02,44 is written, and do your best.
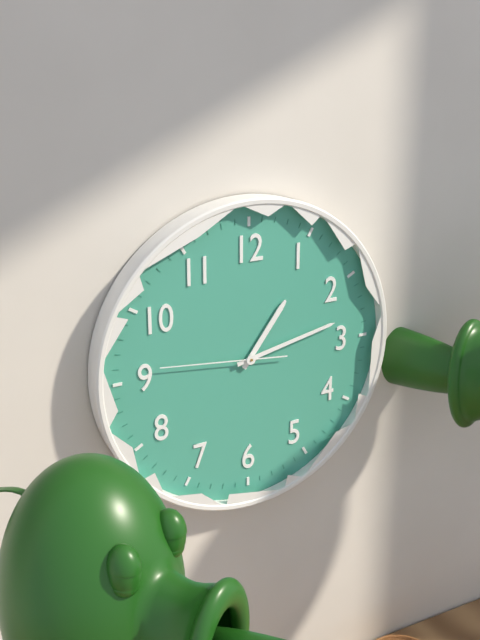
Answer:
1,13,46
